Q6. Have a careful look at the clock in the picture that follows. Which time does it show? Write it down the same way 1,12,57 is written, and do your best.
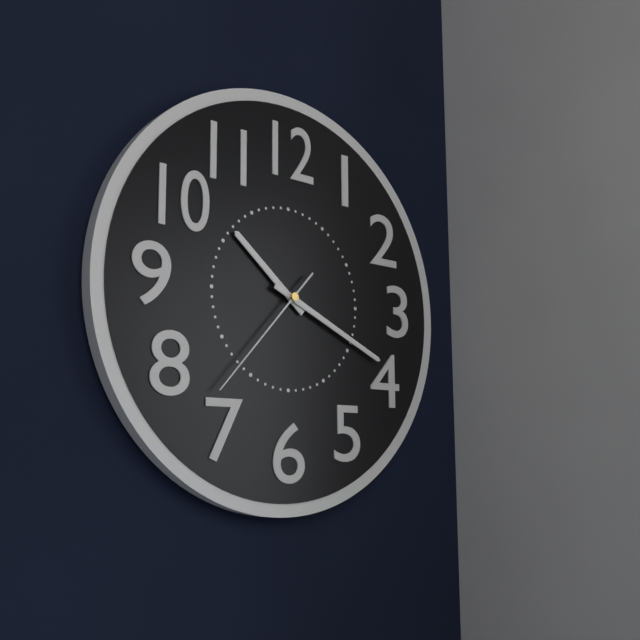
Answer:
10,19,37
